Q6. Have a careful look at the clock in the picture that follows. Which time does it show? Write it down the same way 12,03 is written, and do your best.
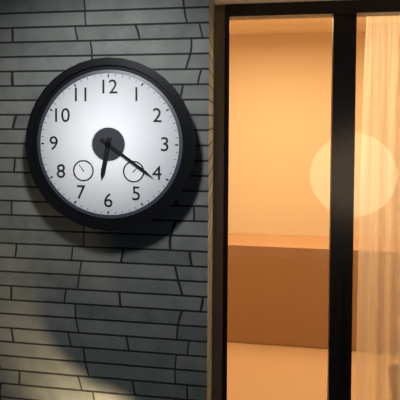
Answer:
6,21
